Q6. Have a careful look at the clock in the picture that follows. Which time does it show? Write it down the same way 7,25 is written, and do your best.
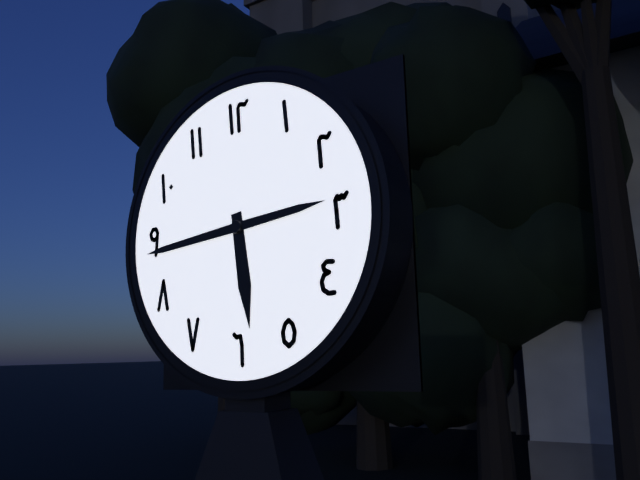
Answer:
5,44
